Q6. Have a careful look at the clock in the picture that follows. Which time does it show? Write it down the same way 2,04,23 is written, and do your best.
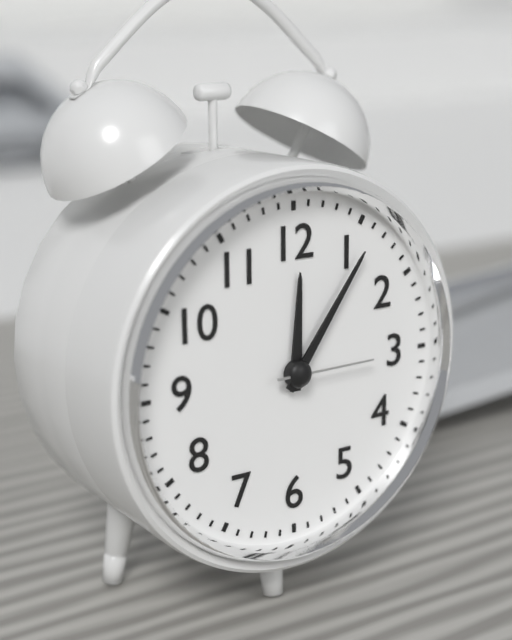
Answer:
12,06,15
